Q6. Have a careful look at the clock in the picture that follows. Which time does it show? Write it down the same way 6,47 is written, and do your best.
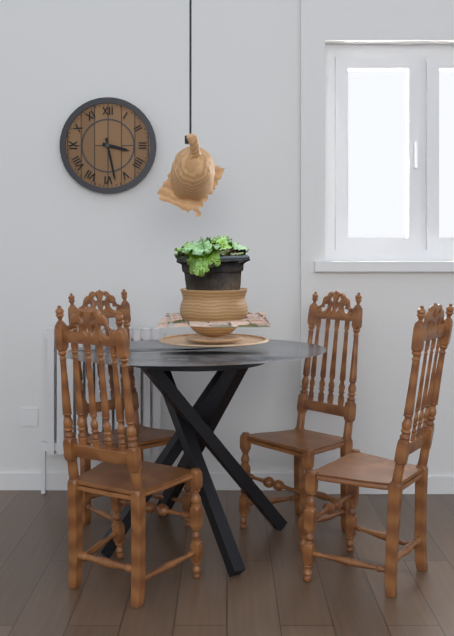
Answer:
3,28
